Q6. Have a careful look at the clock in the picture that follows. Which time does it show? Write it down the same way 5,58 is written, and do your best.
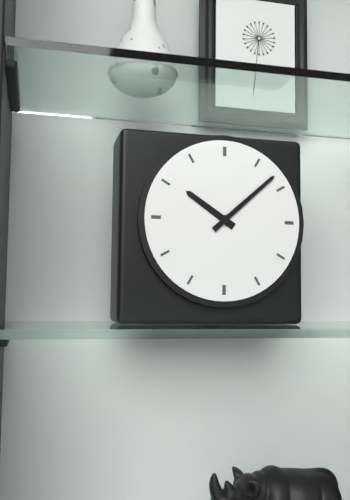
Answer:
10,08
